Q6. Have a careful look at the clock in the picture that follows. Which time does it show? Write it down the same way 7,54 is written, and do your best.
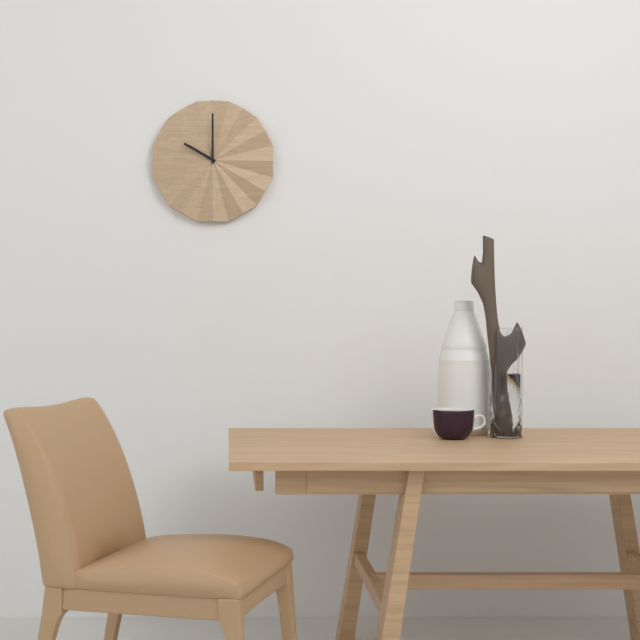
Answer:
10,00
